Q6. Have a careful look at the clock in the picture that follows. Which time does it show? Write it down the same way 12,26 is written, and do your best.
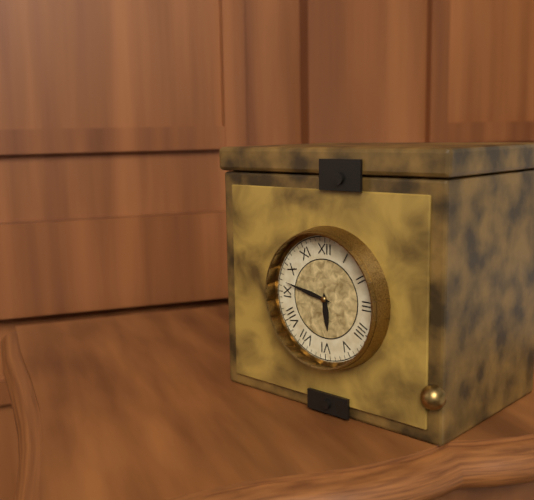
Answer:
5,47
